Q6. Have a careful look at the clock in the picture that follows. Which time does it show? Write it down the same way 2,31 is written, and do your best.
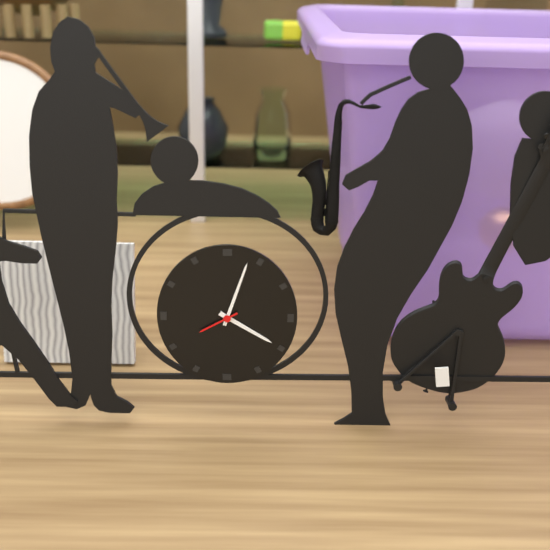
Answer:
4,03
